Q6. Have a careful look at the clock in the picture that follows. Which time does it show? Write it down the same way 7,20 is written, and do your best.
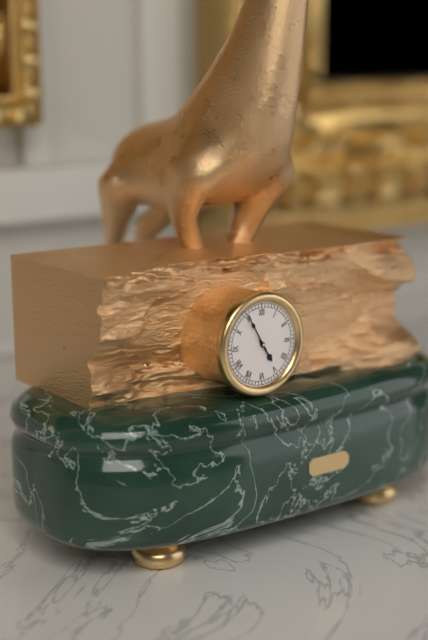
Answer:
4,55
